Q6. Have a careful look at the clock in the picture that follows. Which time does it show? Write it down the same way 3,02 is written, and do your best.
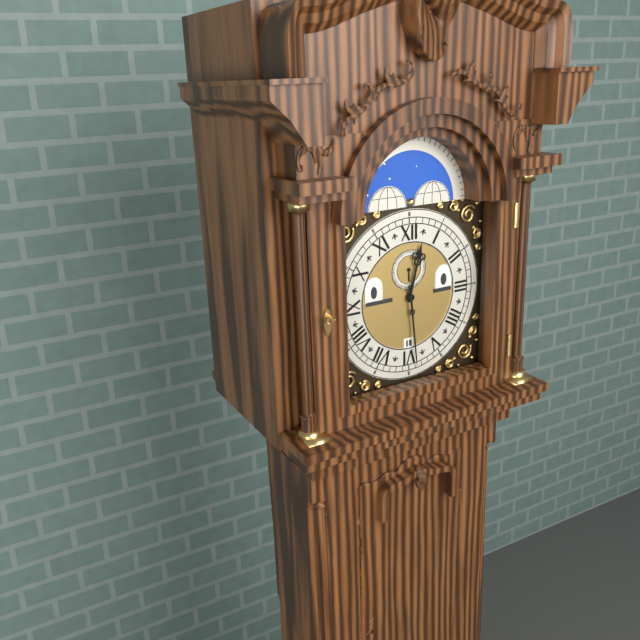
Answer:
12,29
